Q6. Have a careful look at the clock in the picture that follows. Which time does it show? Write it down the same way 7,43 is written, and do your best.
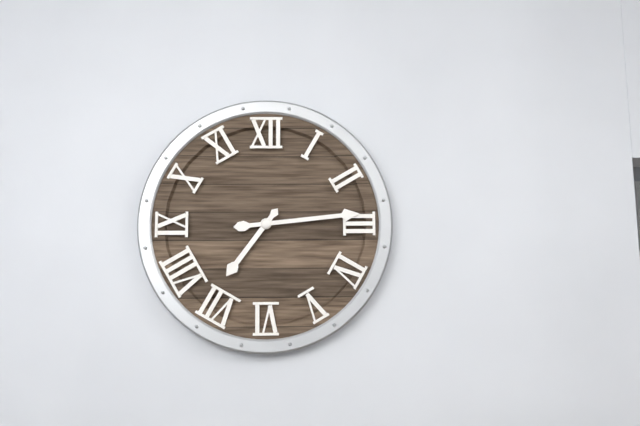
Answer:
7,14
